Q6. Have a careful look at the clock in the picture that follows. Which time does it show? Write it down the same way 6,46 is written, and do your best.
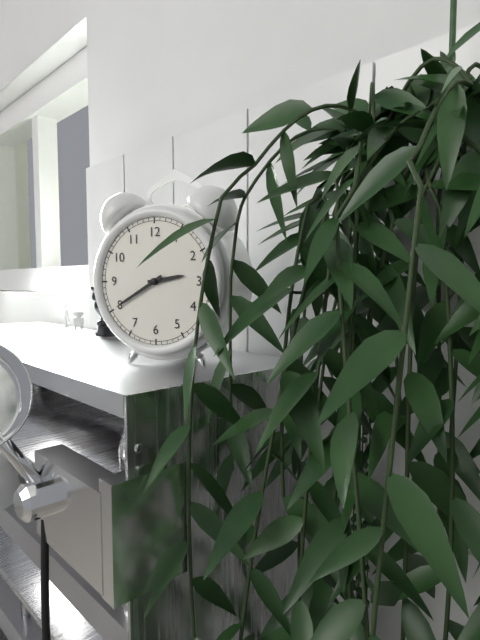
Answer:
2,40
